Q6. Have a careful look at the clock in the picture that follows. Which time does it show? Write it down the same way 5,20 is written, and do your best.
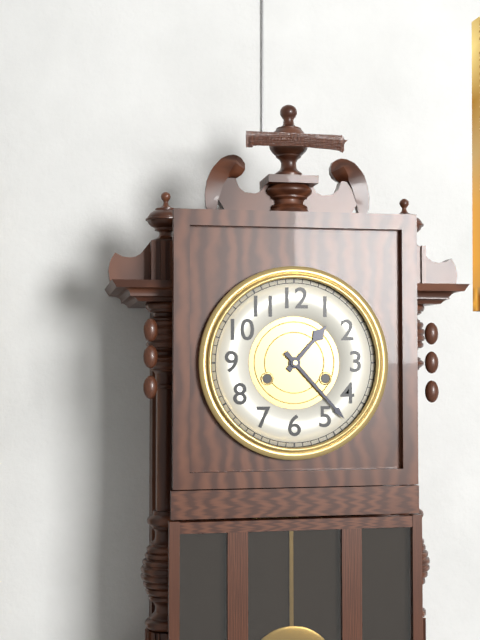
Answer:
1,23
